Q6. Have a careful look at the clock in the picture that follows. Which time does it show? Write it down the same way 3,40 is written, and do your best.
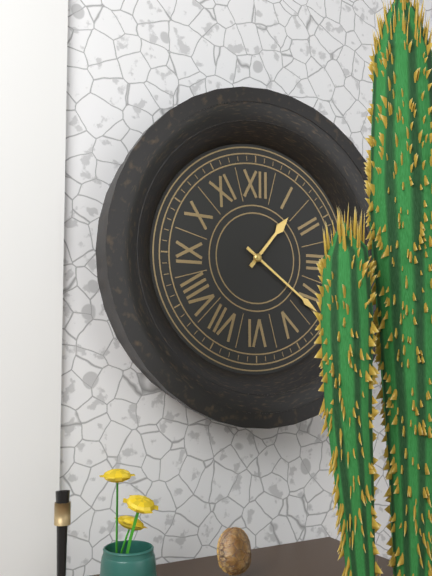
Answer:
1,21
